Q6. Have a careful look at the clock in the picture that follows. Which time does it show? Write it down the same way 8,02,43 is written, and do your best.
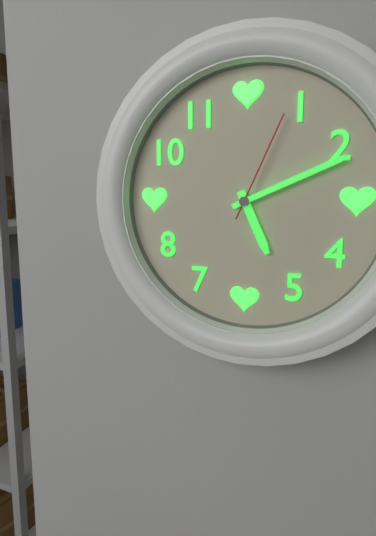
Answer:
5,11,04
